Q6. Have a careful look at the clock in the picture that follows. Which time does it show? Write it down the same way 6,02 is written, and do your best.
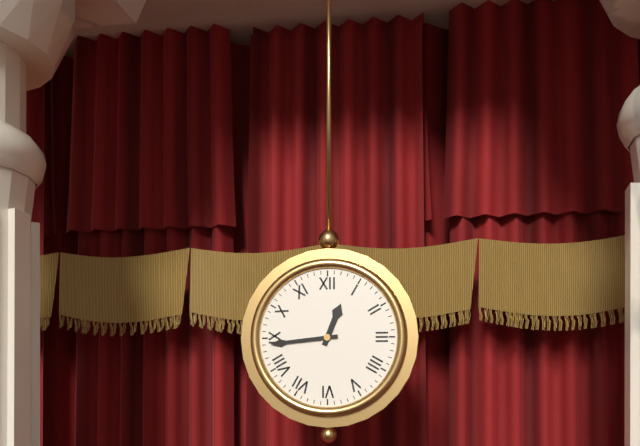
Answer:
12,44
